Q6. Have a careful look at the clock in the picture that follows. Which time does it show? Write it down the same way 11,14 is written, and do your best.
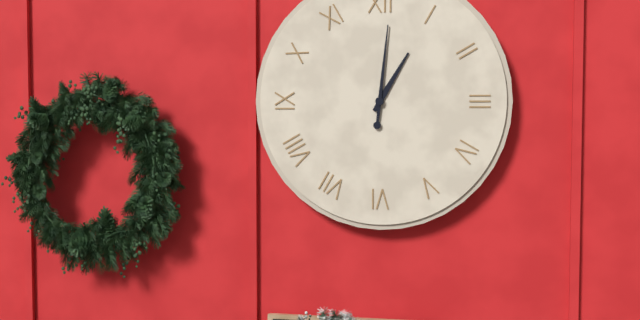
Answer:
1,01
